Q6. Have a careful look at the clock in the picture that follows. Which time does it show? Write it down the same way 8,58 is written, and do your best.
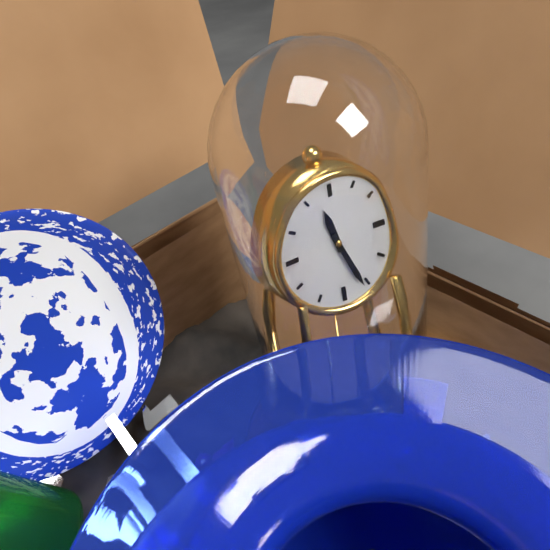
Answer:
11,26
